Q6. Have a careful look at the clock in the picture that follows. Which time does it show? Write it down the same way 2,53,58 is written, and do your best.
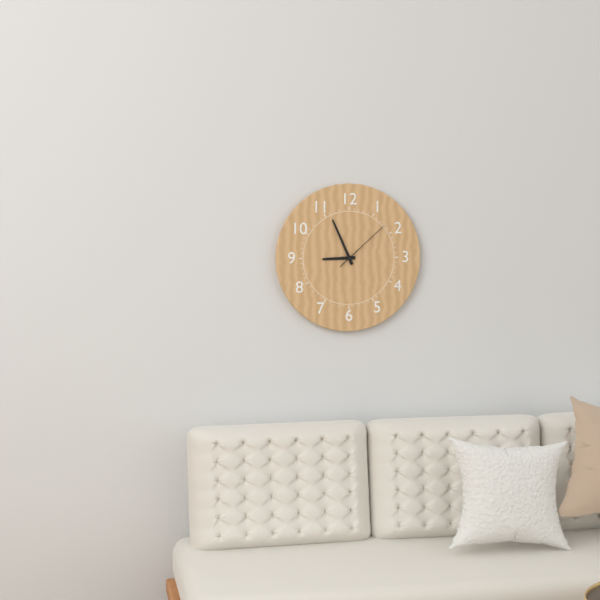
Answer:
8,56,08
